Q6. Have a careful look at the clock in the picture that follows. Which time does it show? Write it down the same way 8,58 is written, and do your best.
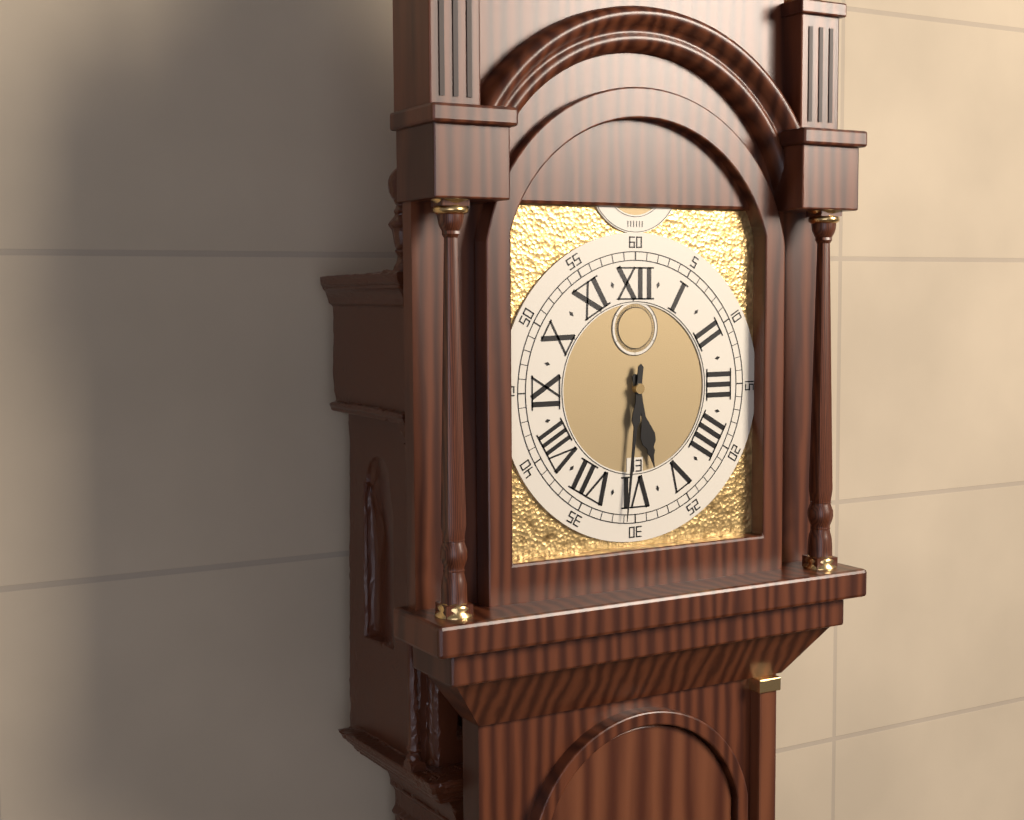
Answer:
5,31
